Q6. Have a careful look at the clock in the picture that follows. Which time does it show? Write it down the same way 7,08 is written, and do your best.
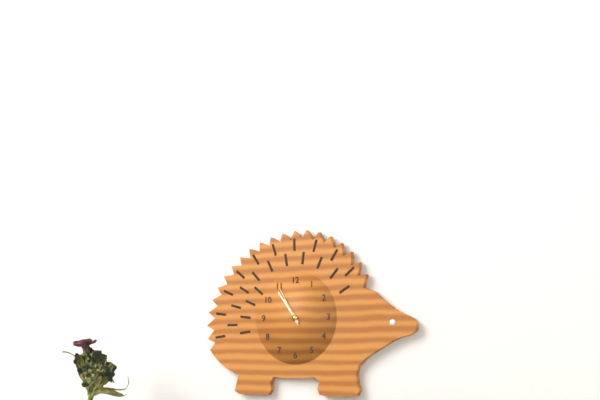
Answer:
10,54
